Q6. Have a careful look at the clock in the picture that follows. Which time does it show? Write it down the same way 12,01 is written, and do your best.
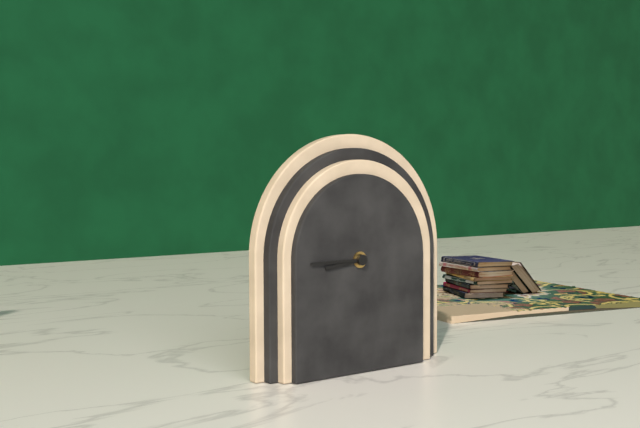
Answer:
8,45
